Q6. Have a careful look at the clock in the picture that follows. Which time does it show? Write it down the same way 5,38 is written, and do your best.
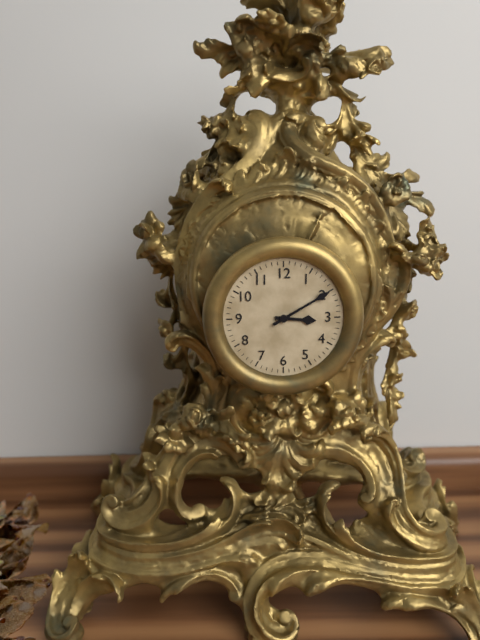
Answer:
3,10
